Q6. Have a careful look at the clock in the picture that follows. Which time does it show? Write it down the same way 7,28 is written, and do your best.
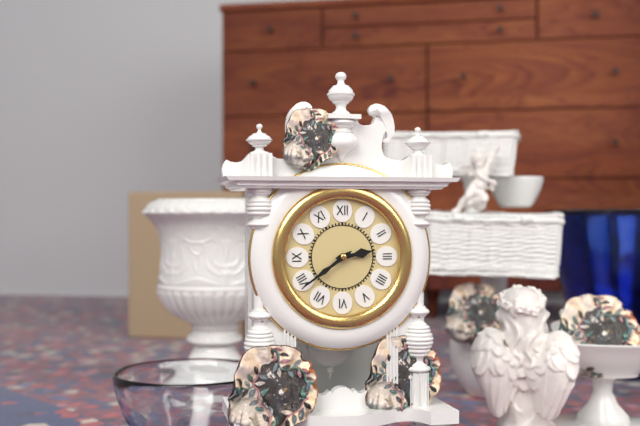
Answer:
2,39
